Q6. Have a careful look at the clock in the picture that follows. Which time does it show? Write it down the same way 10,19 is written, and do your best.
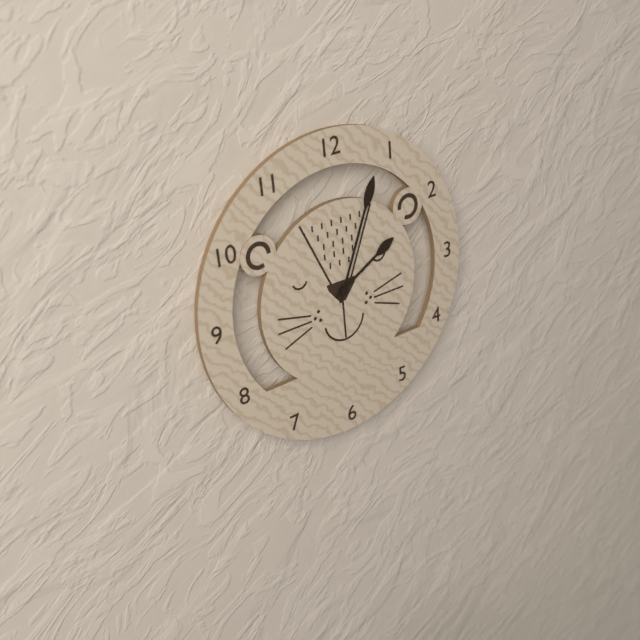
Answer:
2,04
